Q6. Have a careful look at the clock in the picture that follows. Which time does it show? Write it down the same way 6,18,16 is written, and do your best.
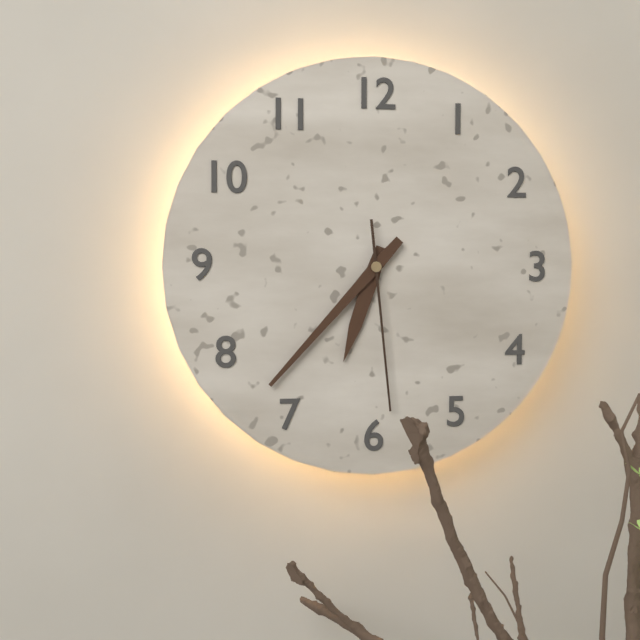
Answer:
6,37,29
